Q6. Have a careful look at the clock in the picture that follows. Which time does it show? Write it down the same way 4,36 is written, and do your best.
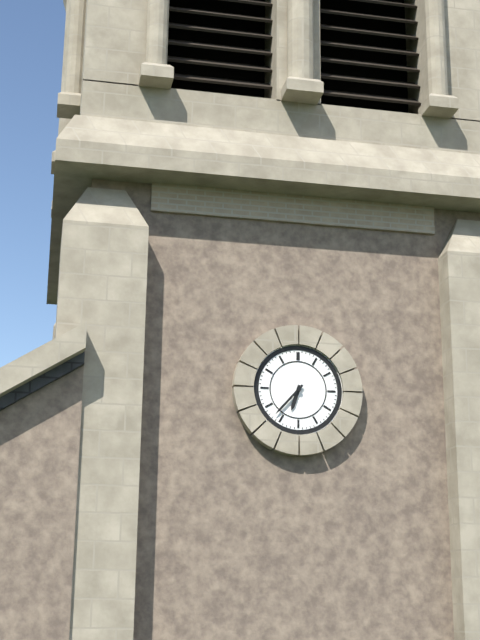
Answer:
6,37
